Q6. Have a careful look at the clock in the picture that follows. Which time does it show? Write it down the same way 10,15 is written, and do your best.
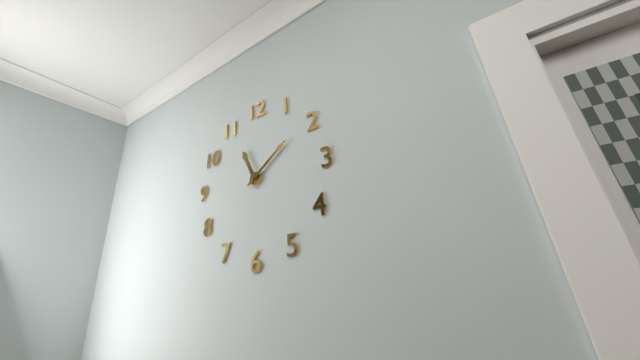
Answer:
11,09
